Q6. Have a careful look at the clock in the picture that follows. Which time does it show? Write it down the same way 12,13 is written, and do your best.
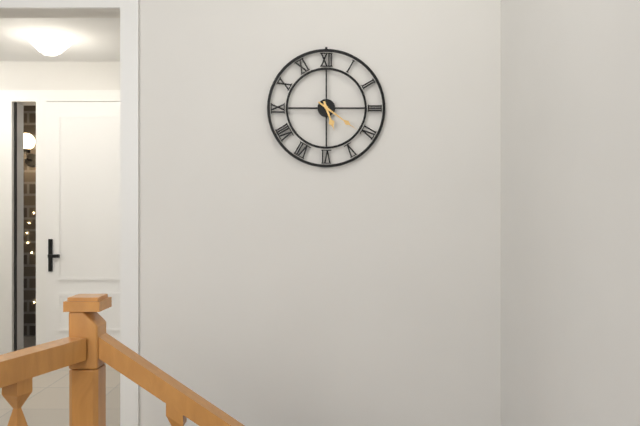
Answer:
5,21
